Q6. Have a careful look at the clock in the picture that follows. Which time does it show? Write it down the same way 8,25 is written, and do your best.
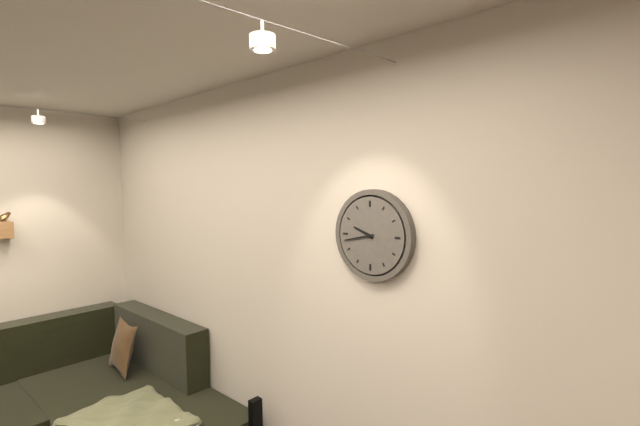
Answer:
9,43
